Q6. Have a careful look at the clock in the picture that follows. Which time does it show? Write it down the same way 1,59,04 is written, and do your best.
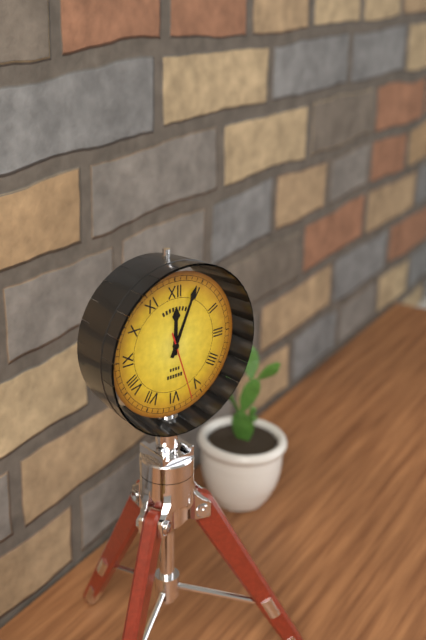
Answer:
12,04,27
